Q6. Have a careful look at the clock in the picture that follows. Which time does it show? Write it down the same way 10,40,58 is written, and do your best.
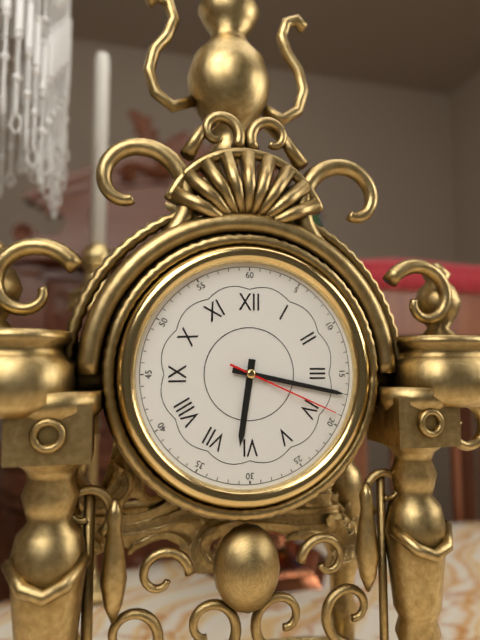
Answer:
6,17,19
